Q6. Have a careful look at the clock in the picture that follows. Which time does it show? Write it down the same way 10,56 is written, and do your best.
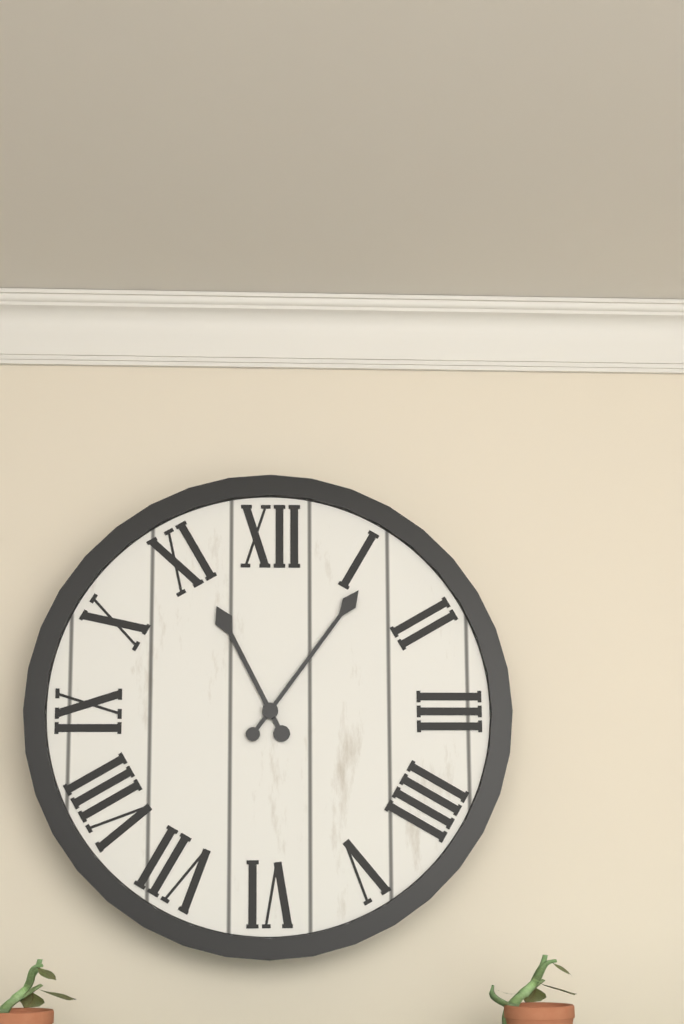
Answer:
11,06
